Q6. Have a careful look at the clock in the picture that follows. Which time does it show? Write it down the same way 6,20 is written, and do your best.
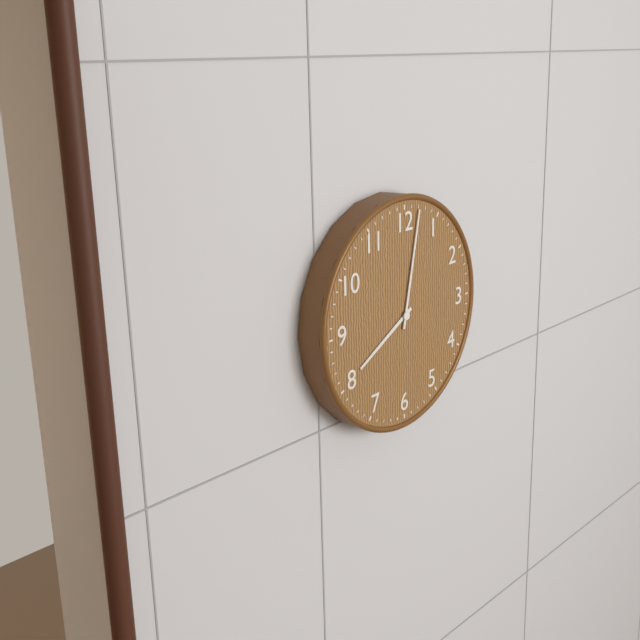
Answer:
8,02
